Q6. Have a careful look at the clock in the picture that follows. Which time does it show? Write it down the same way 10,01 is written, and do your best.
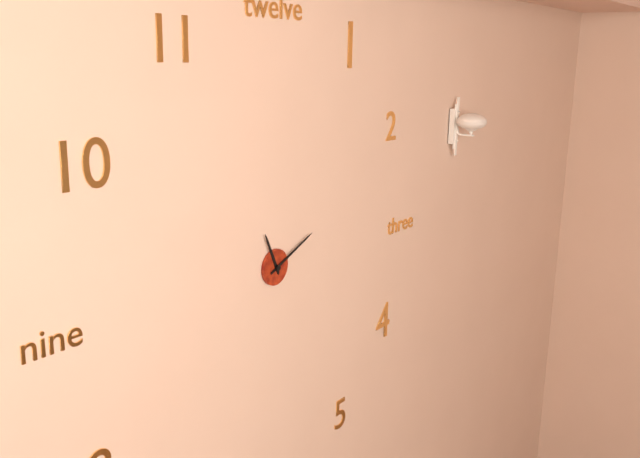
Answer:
11,11
